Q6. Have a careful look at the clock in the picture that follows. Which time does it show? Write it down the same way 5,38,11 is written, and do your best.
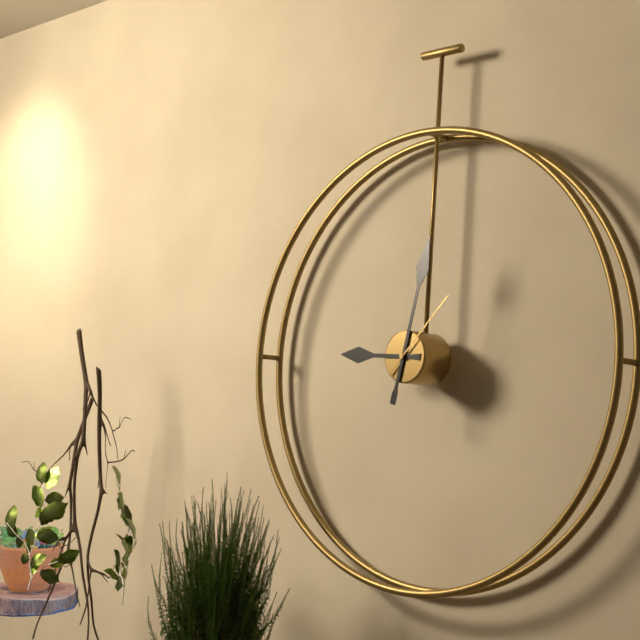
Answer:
9,02,07
